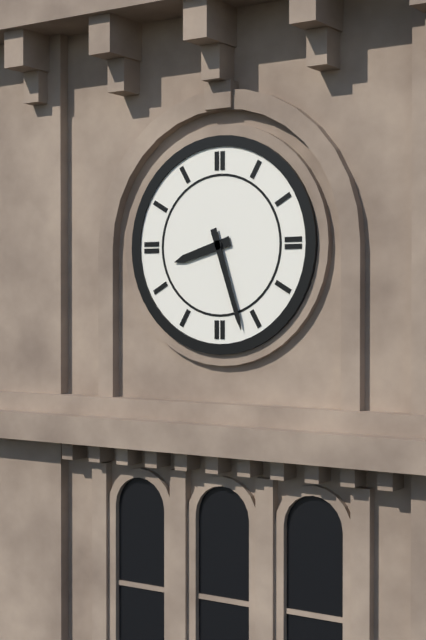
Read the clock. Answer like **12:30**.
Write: **8:27**
